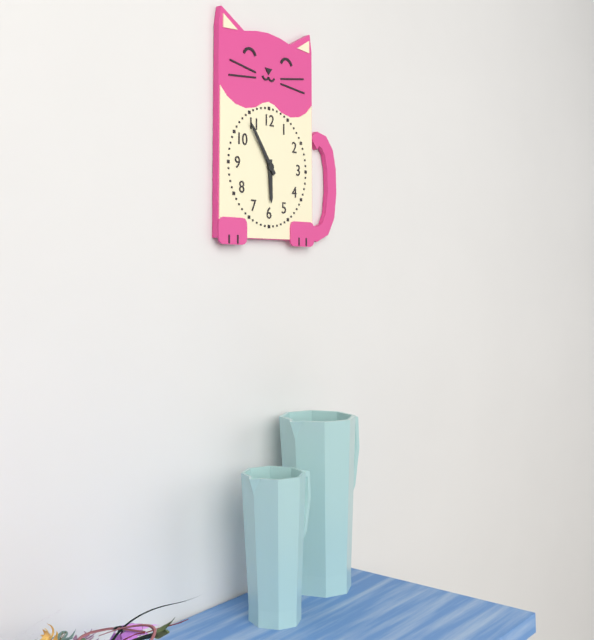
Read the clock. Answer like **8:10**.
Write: **5:54**
